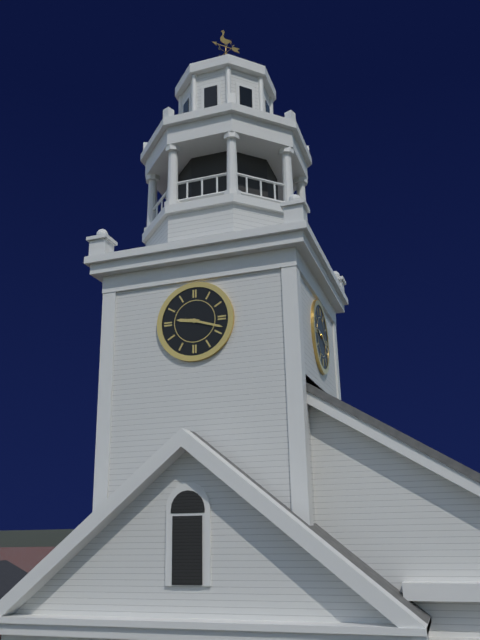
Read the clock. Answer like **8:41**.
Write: **9:18**
